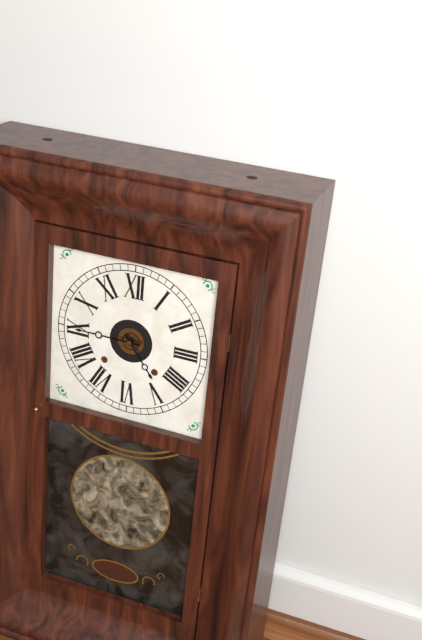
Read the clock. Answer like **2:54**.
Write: **4:45**
